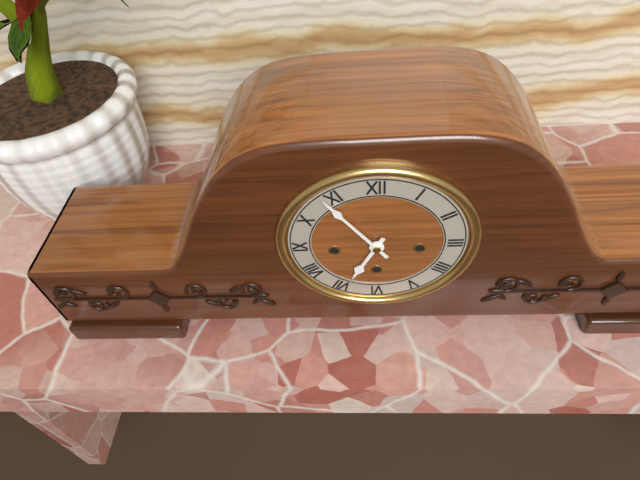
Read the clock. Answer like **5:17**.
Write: **6:54**
